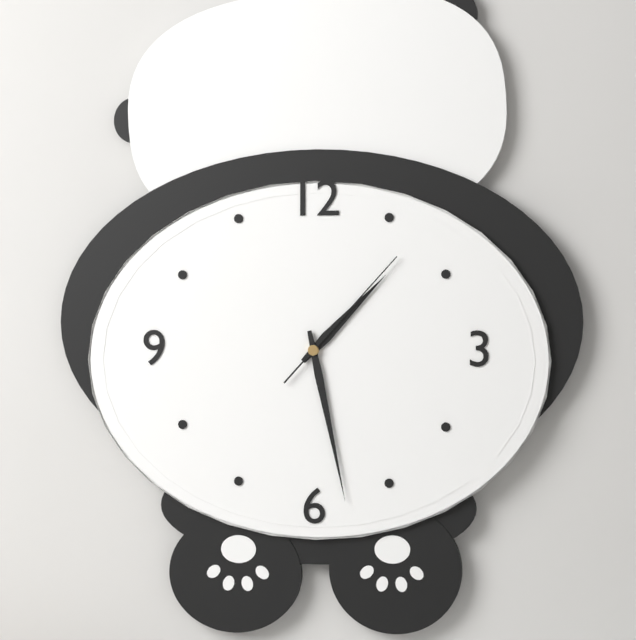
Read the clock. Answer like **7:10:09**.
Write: **1:28:07**
